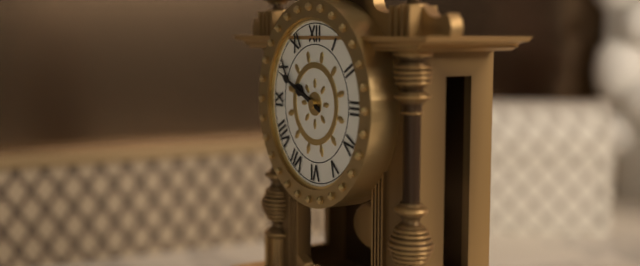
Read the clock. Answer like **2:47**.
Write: **9:49**
